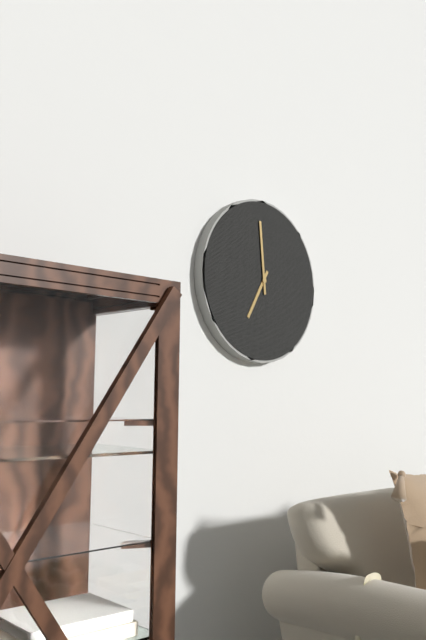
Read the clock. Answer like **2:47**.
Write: **6:59**
